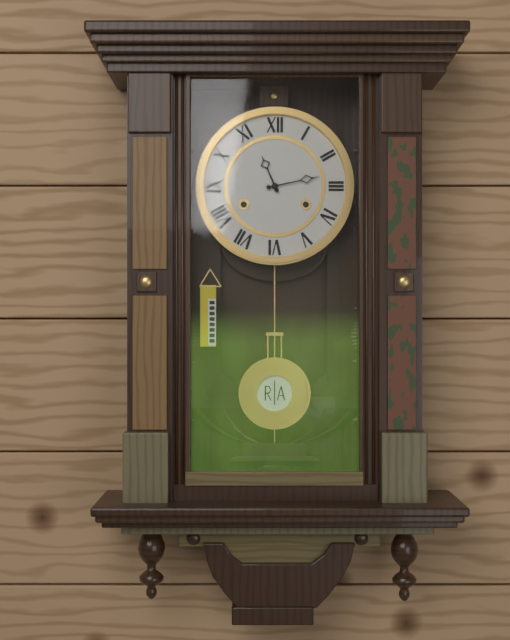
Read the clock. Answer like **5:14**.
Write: **11:13**
